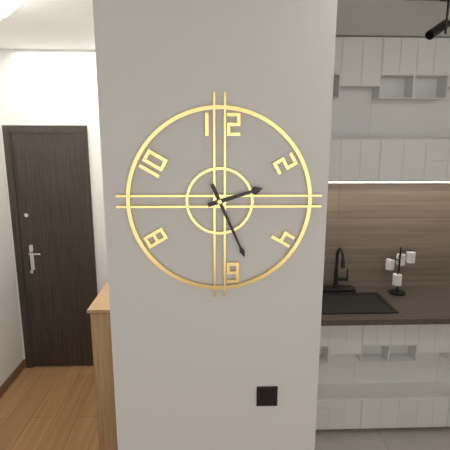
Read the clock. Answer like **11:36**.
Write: **2:26**
